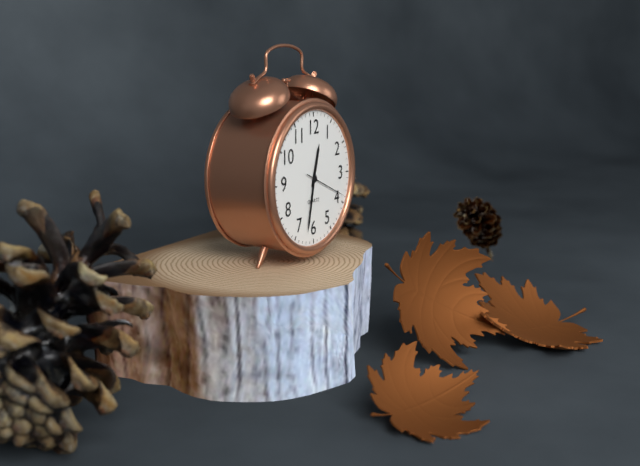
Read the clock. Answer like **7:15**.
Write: **12:32**
